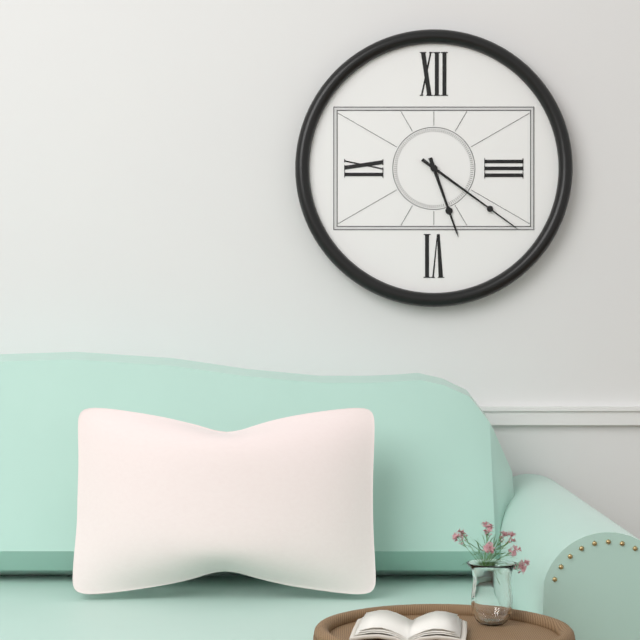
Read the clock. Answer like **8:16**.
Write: **5:21**
